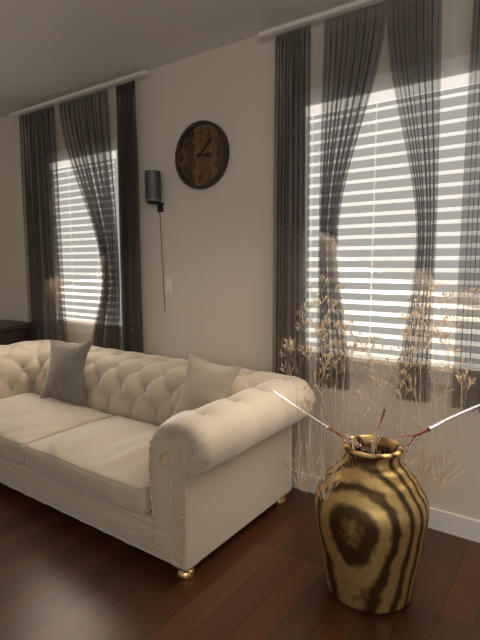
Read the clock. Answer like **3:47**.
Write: **3:08**
